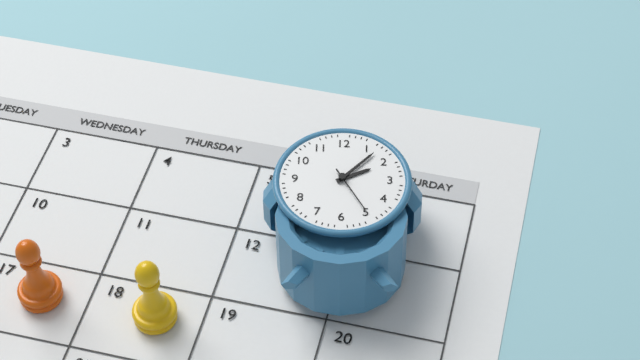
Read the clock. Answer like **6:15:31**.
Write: **2:07:25**
